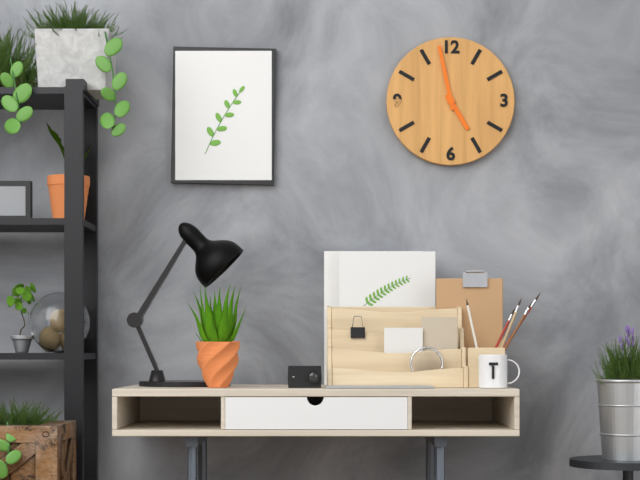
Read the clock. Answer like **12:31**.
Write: **4:58**
